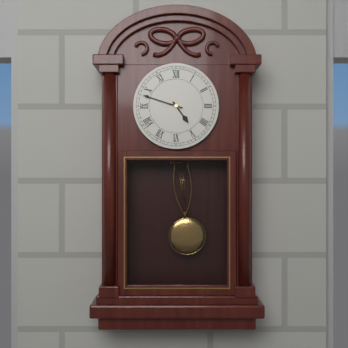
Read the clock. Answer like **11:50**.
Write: **4:48**
